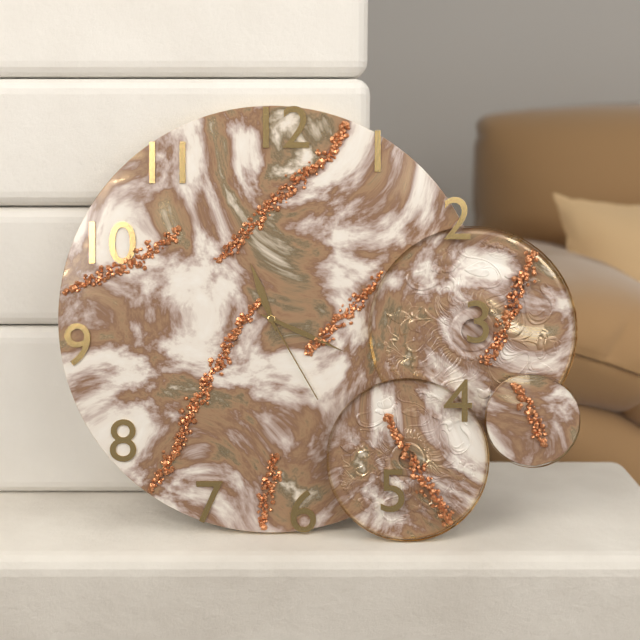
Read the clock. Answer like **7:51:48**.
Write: **11:19:25**
